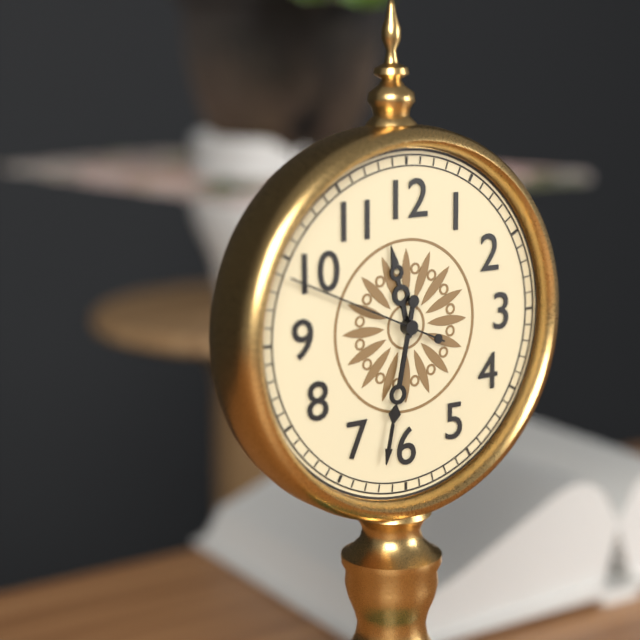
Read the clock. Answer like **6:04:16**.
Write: **11:32:49**
